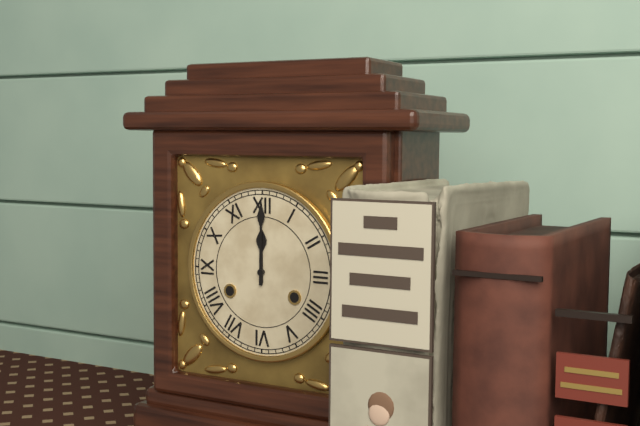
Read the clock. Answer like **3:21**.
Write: **12:00**
